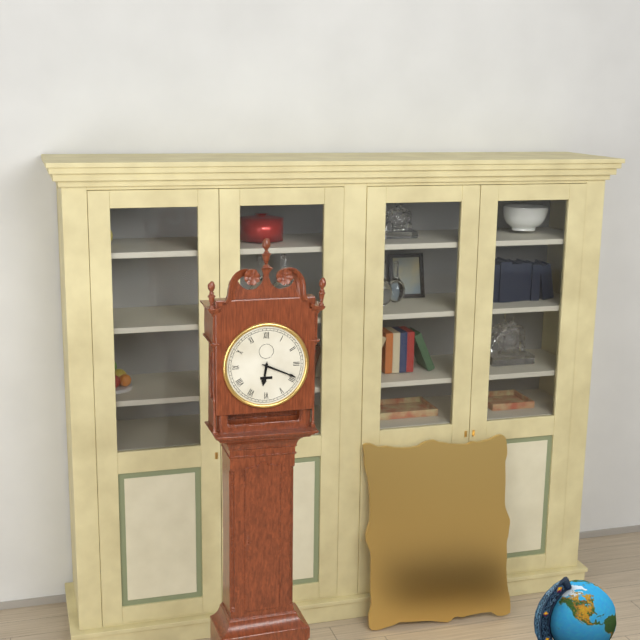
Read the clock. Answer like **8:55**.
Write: **6:19**
